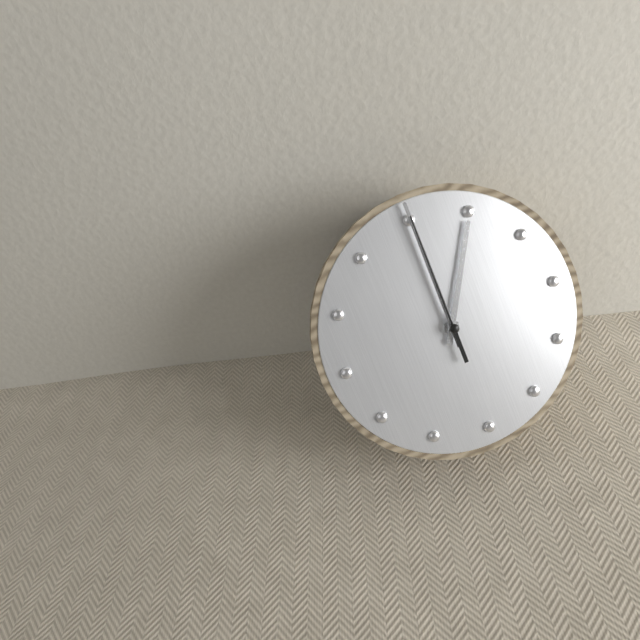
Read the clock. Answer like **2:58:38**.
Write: **1:00:00**
